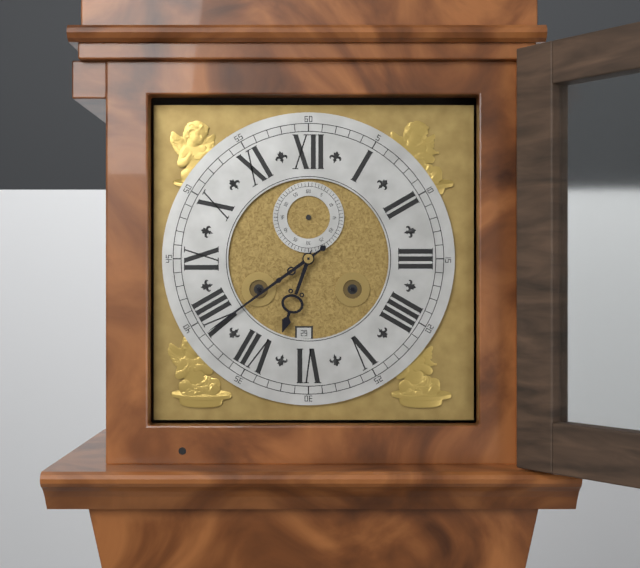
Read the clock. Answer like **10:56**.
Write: **6:39**
